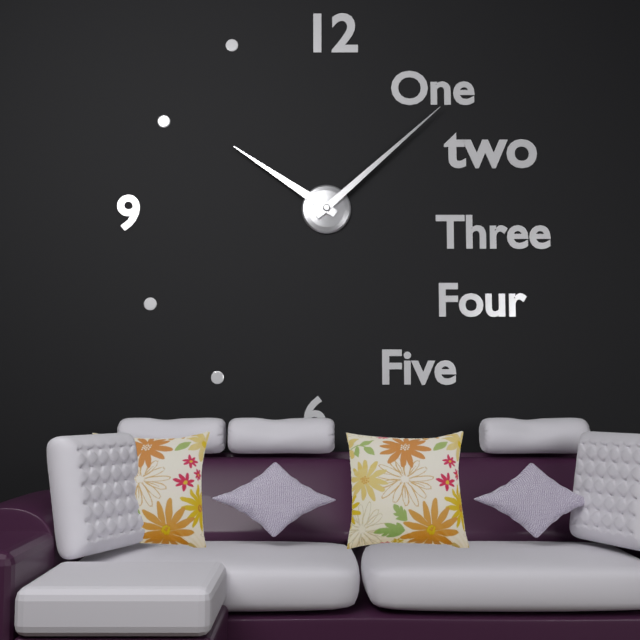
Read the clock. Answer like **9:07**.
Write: **10:08**
